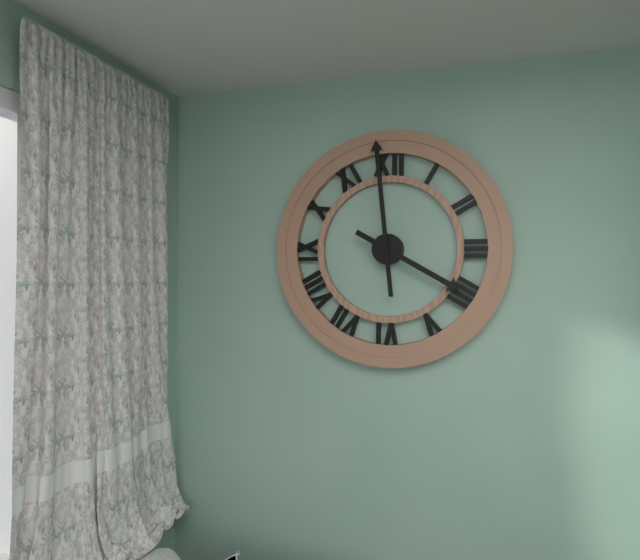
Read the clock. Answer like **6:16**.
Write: **3:59**
